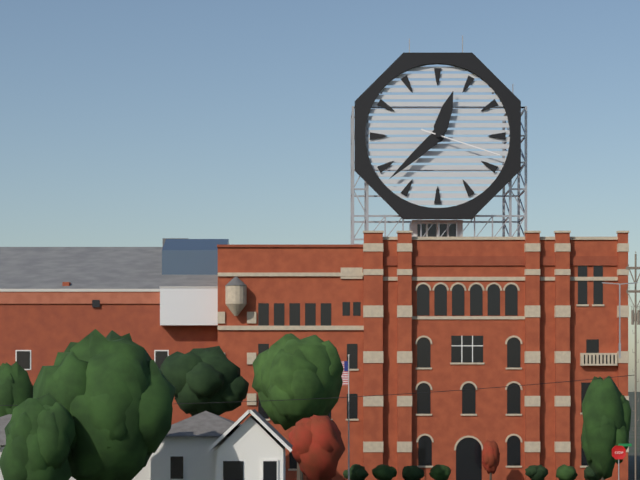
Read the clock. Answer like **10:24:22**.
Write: **12:38:18**
